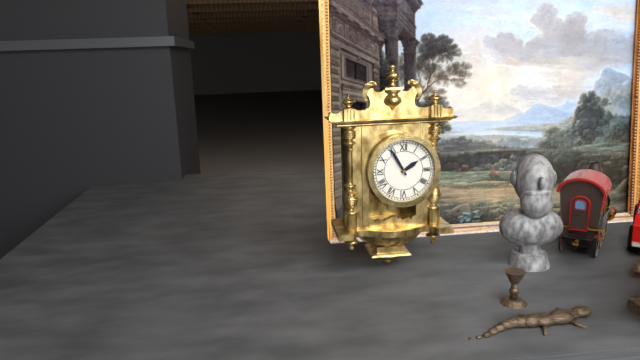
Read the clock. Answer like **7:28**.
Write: **1:55**
